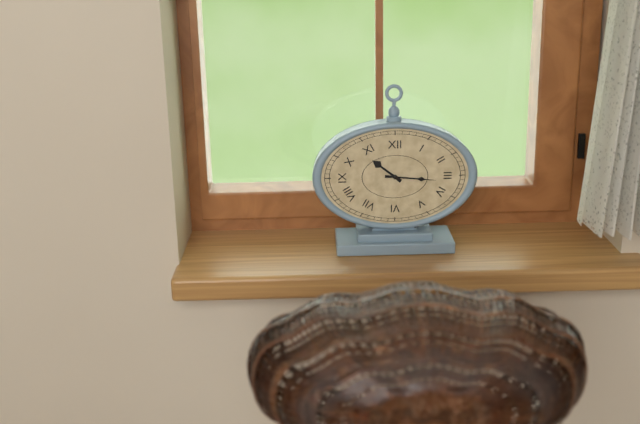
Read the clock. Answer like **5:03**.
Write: **10:16**
